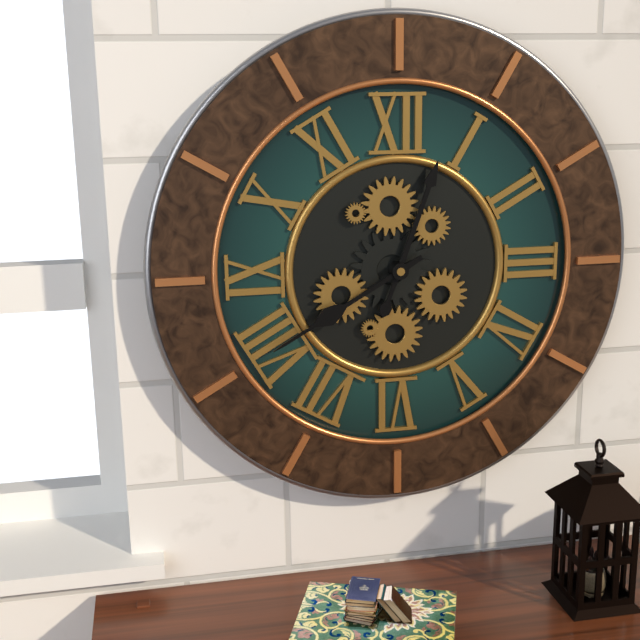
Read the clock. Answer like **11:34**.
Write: **12:40**
